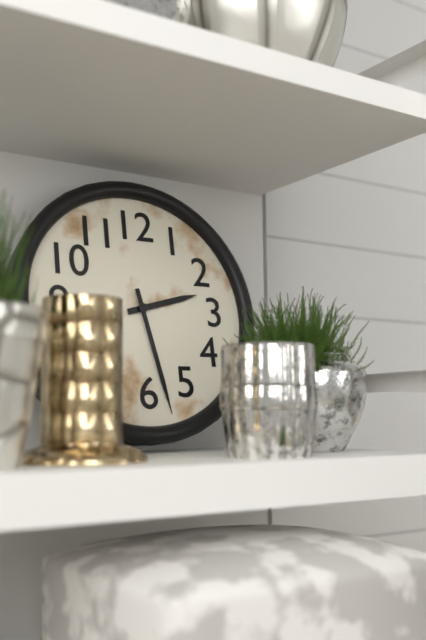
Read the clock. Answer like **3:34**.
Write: **2:28**
